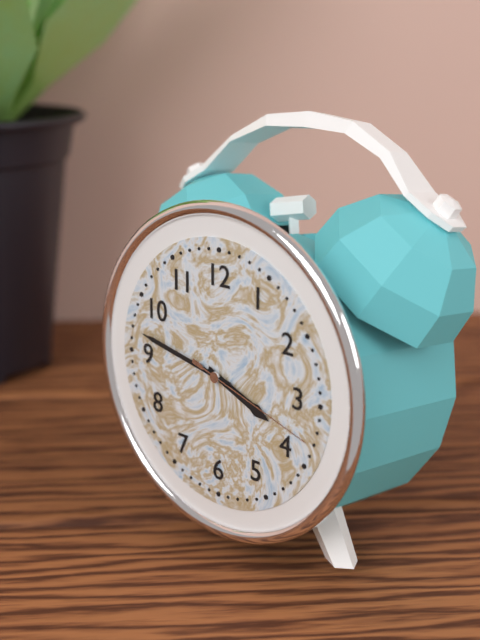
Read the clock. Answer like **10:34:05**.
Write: **3:47:18**
